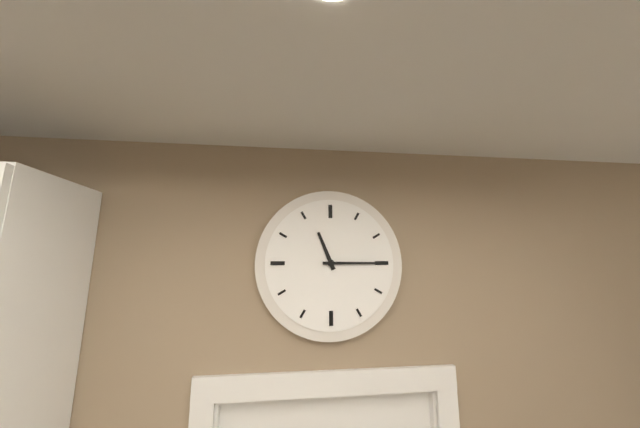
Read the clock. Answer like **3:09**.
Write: **11:15**
